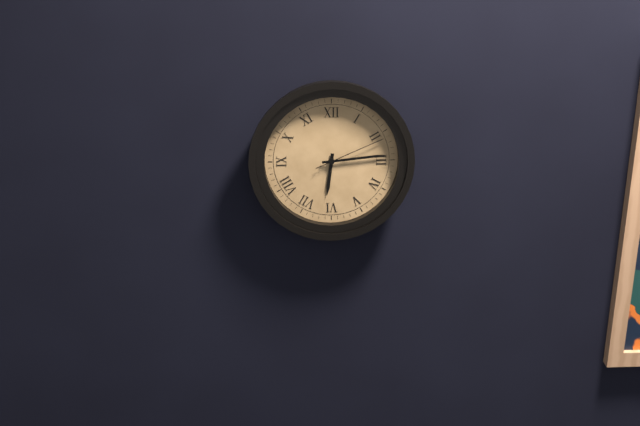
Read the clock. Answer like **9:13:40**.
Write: **6:14:11**
